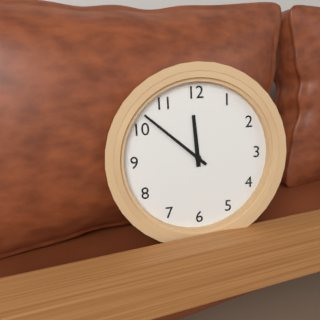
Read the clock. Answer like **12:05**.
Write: **11:52**
